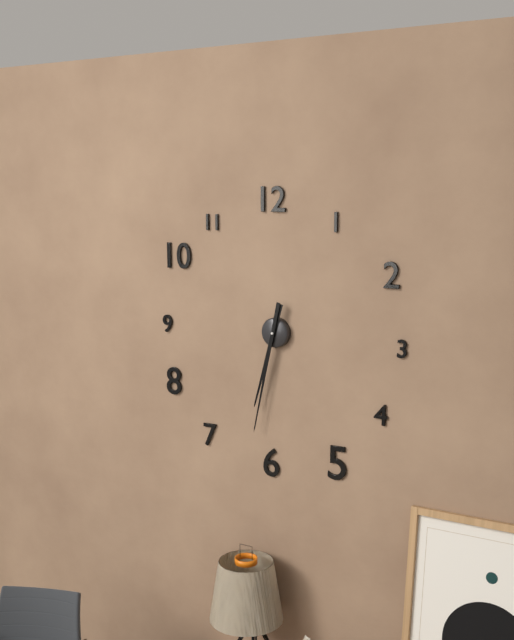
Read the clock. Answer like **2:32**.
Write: **6:32**
